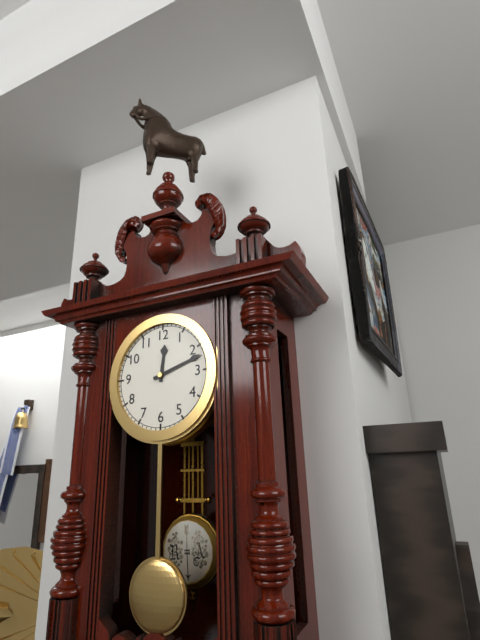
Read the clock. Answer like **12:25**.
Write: **12:12**
